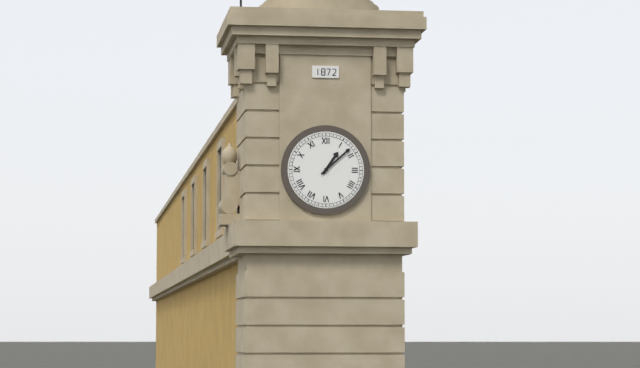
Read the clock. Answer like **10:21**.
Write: **1:08**
